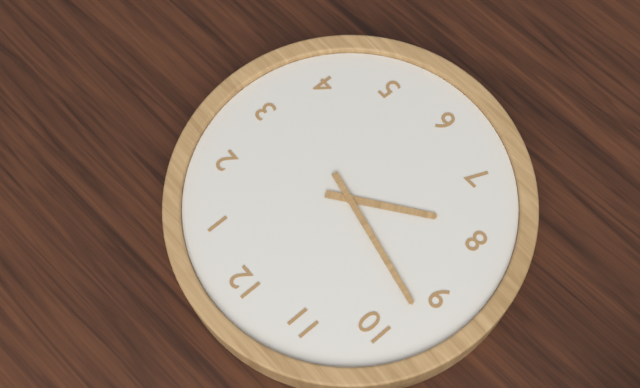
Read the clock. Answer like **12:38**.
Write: **7:47**
